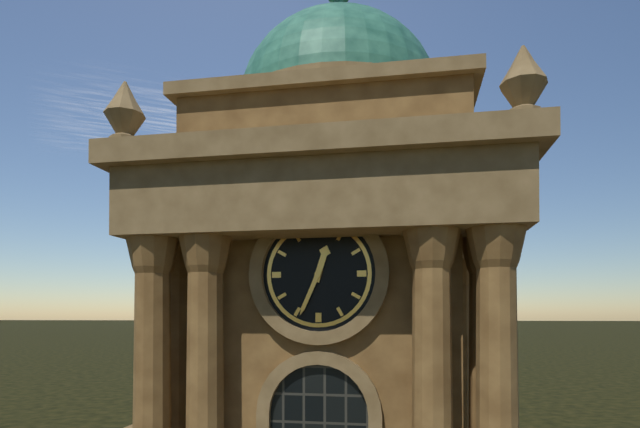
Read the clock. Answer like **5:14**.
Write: **12:34**
